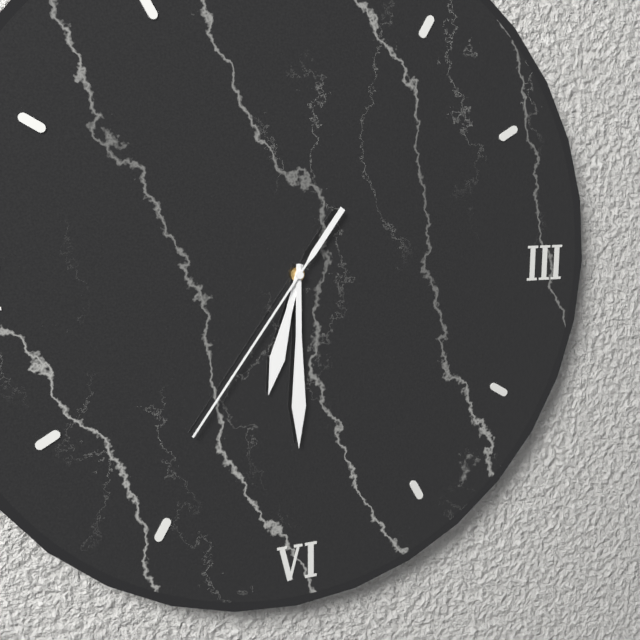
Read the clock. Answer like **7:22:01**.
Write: **6:30:36**
